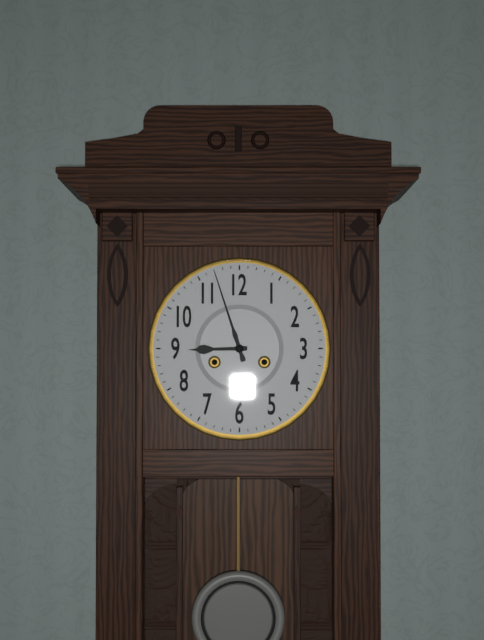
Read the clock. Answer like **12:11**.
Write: **8:57**
